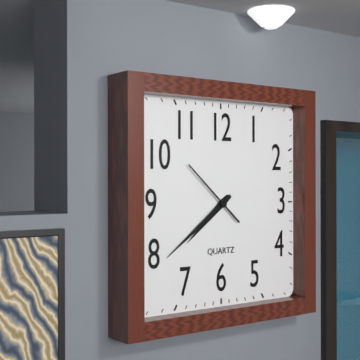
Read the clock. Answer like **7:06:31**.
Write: **7:39:52**
